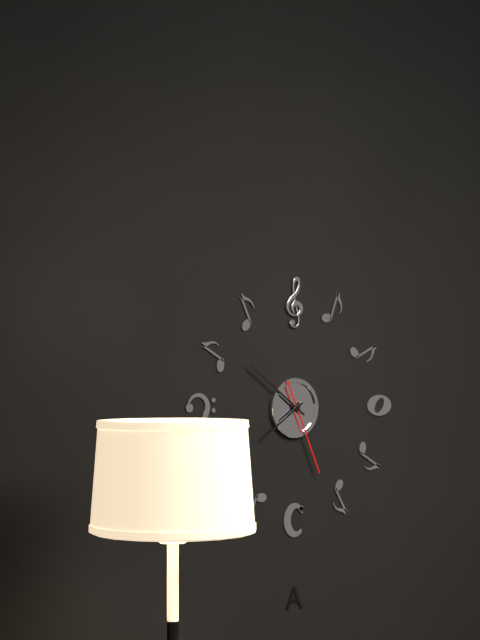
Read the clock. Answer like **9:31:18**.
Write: **7:51:26**
